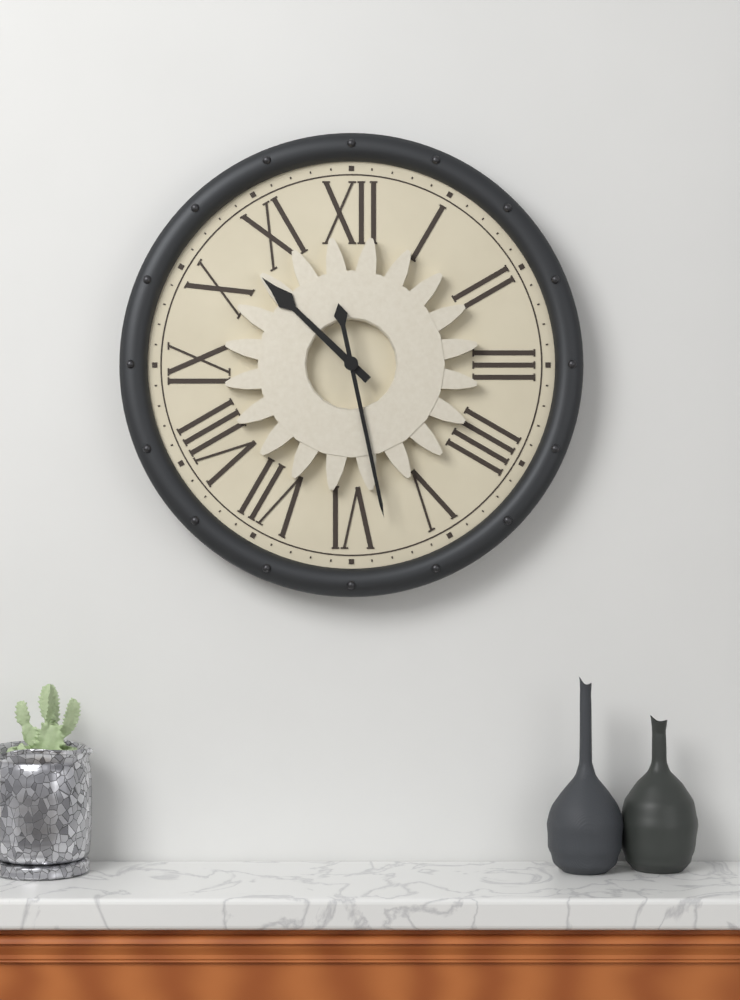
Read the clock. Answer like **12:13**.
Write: **10:28**
